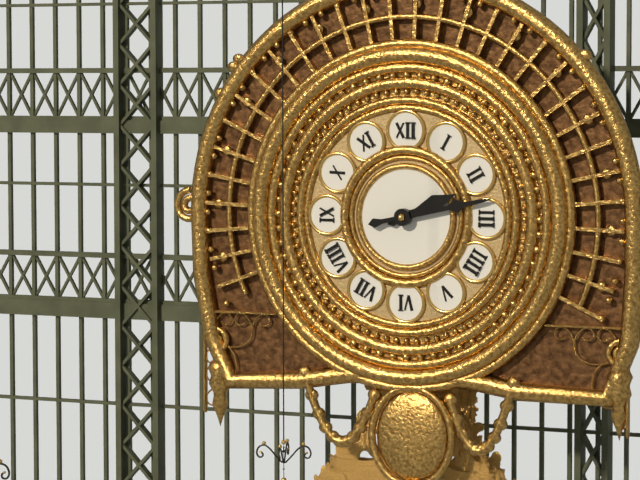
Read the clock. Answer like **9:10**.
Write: **2:13**
